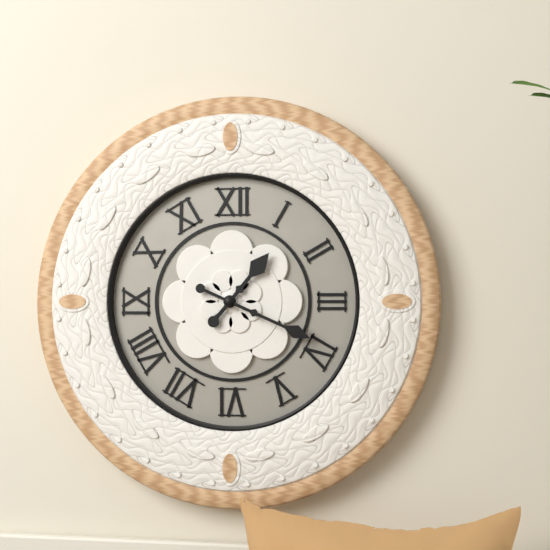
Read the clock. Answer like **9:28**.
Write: **1:19**
